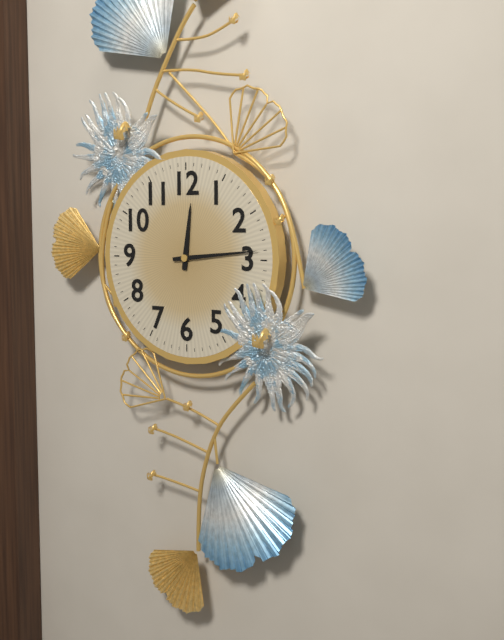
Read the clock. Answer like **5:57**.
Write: **12:14**
